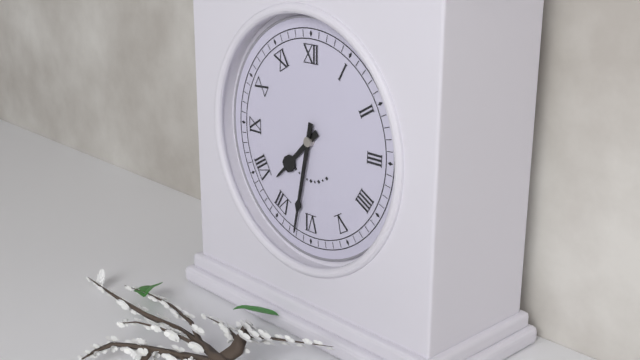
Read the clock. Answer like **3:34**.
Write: **7:32**
